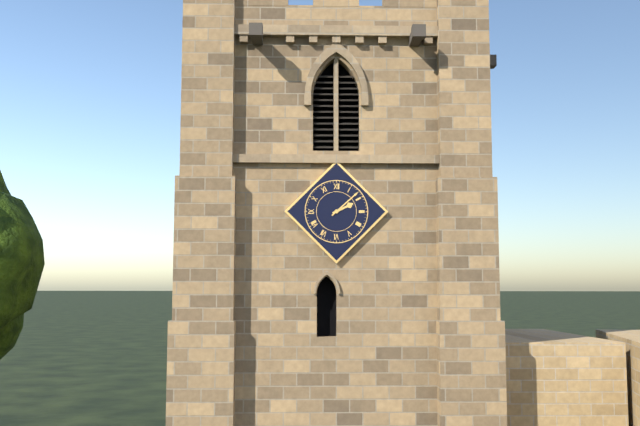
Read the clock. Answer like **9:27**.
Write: **2:08**
